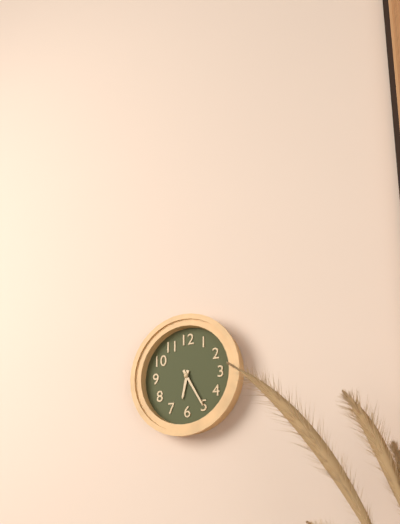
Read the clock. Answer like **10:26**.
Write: **6:25**
